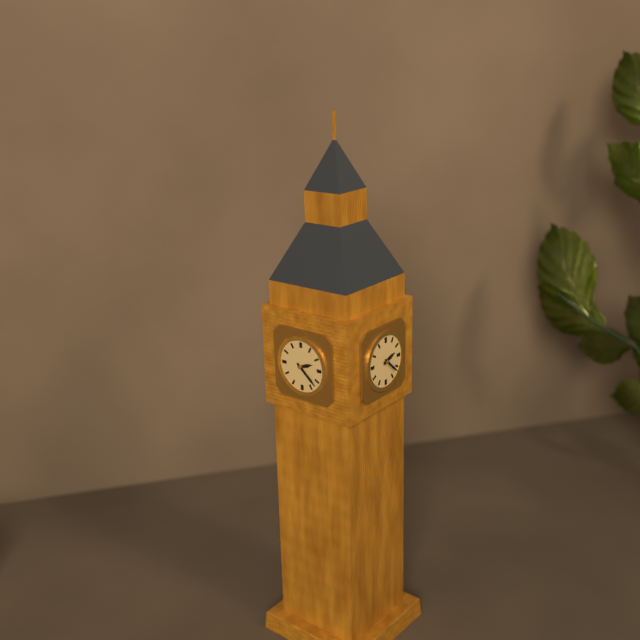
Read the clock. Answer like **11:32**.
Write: **2:22**
